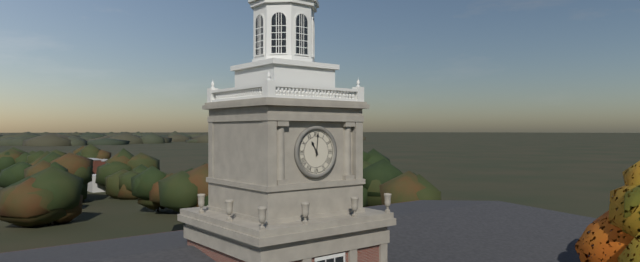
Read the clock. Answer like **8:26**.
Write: **11:01**
